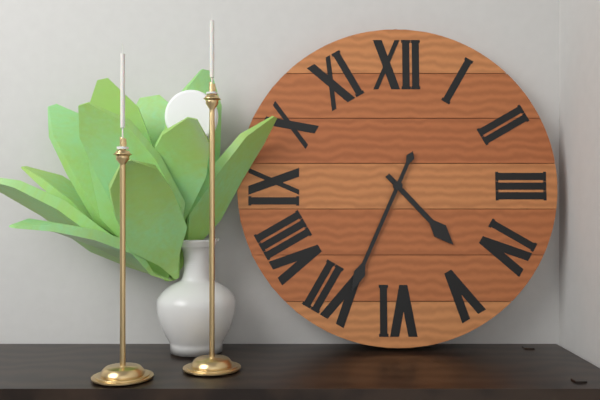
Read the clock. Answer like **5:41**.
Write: **4:34**
